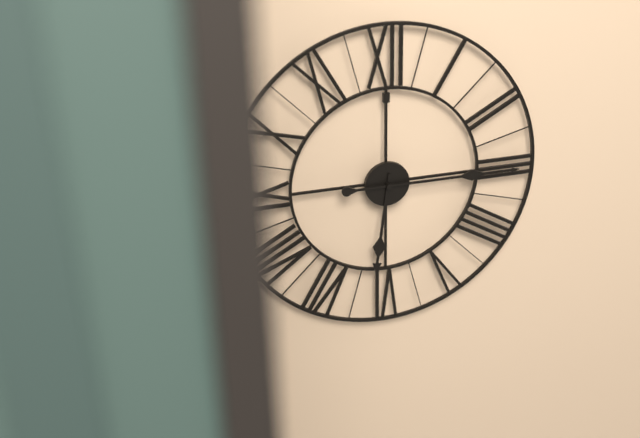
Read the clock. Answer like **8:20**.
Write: **6:15**
